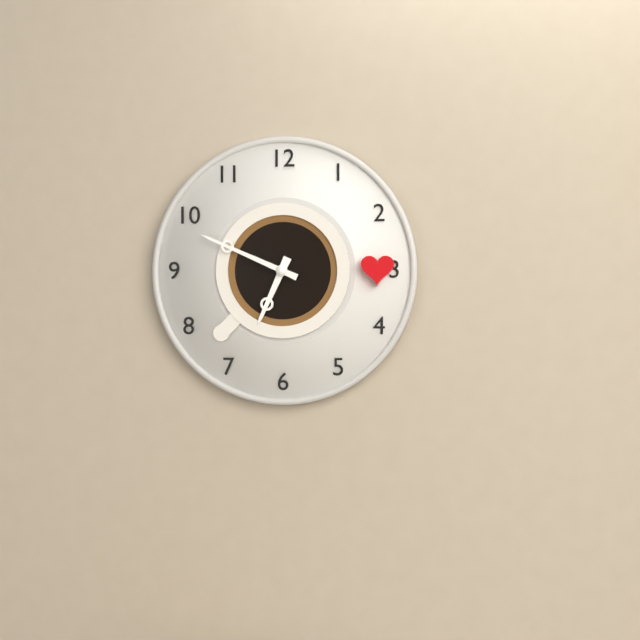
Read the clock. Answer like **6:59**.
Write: **6:49**
